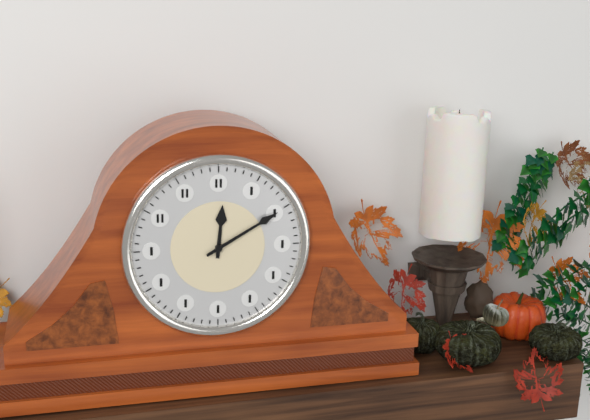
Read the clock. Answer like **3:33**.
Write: **12:10**
